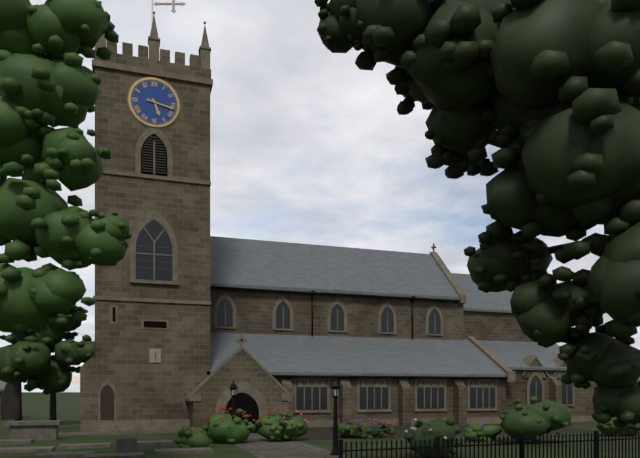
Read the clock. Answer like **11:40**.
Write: **5:17**
